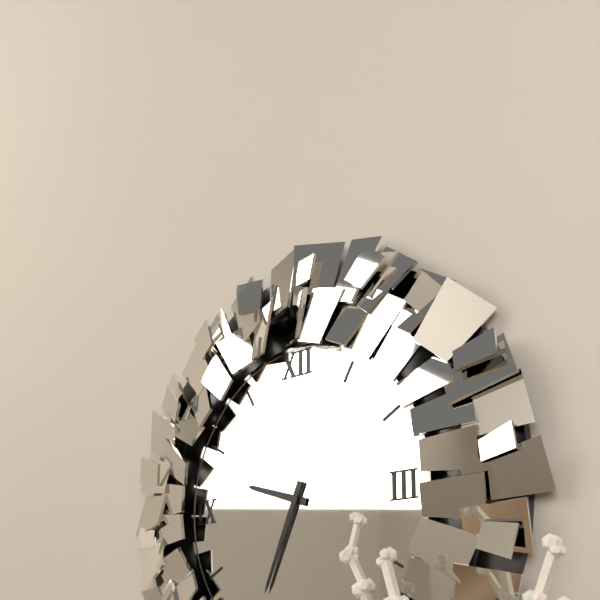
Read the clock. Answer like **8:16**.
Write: **9:34**
